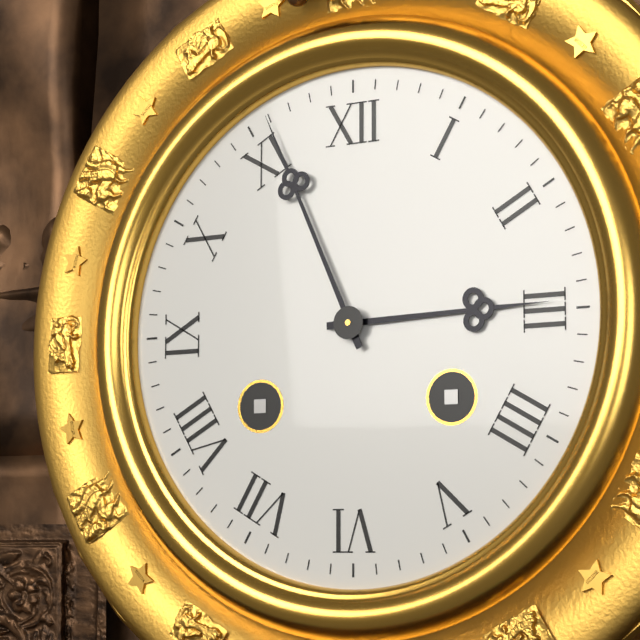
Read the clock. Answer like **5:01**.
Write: **2:56**
